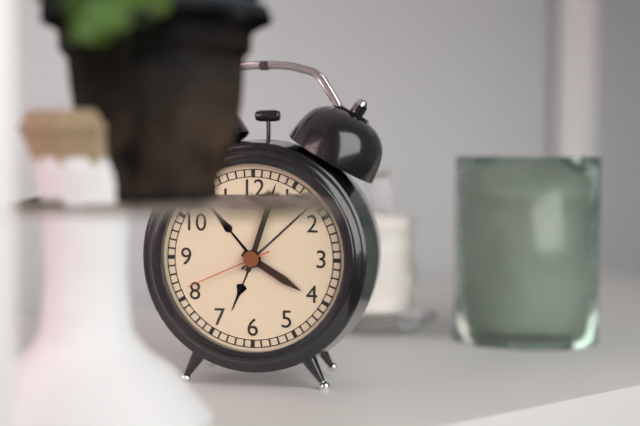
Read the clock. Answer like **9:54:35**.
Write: **4:03:41**
